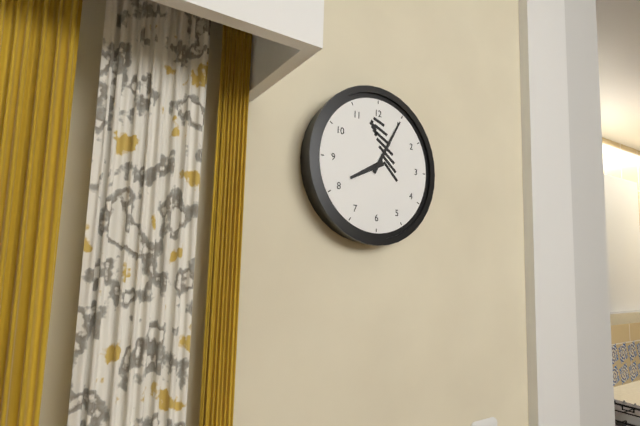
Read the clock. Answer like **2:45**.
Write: **8:05**
